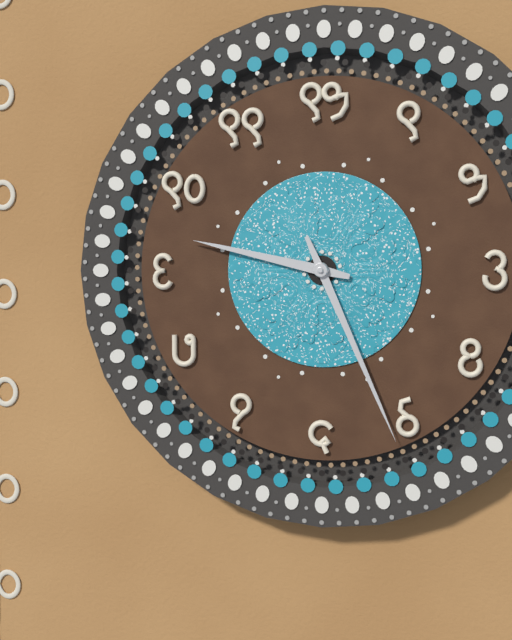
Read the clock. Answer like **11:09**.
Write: **9:26**
